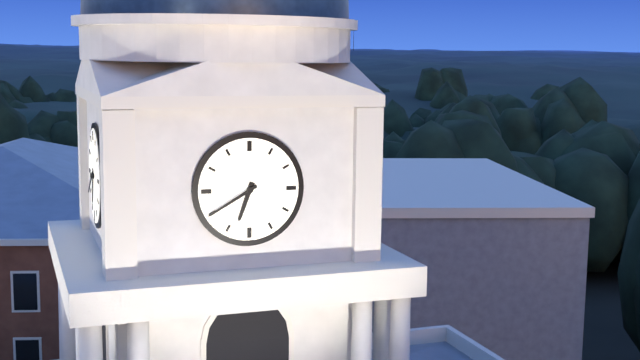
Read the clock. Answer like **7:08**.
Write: **6:40**
